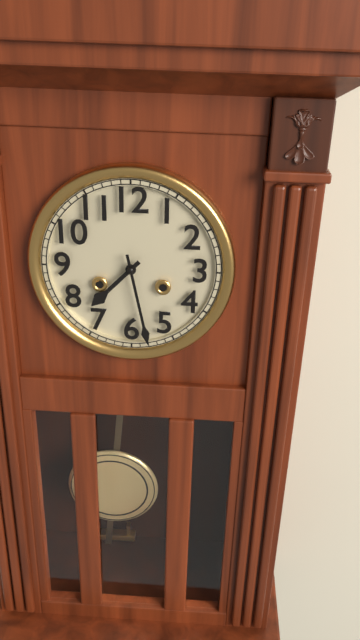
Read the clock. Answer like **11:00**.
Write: **7:28**
